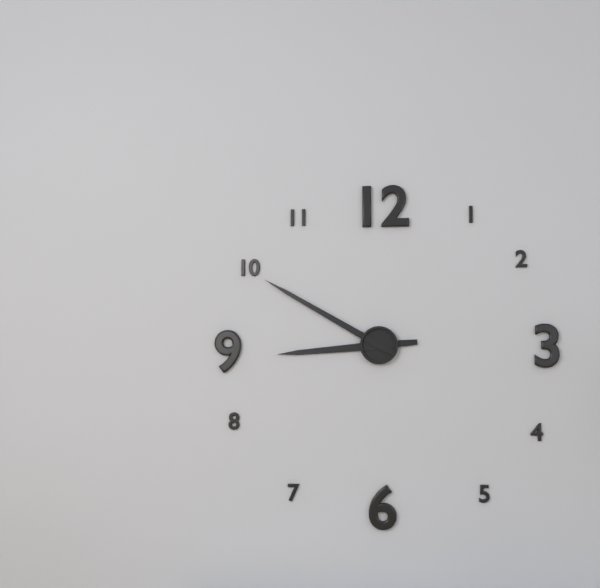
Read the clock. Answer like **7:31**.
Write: **8:50**
